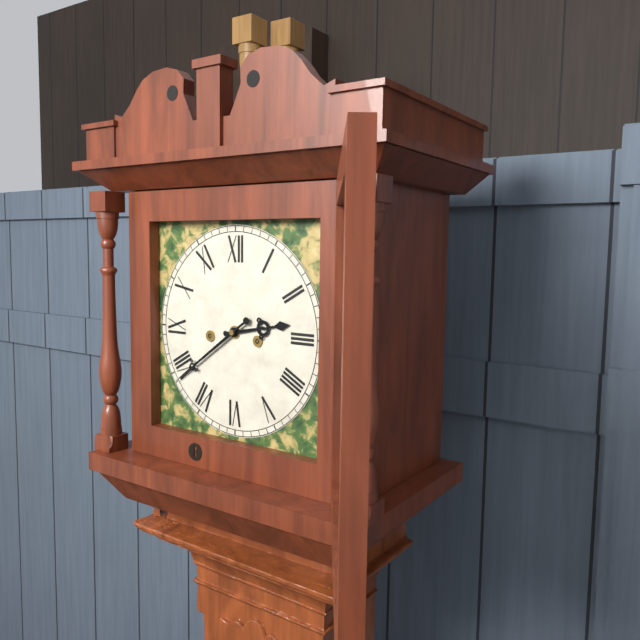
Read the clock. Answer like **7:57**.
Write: **2:39**
